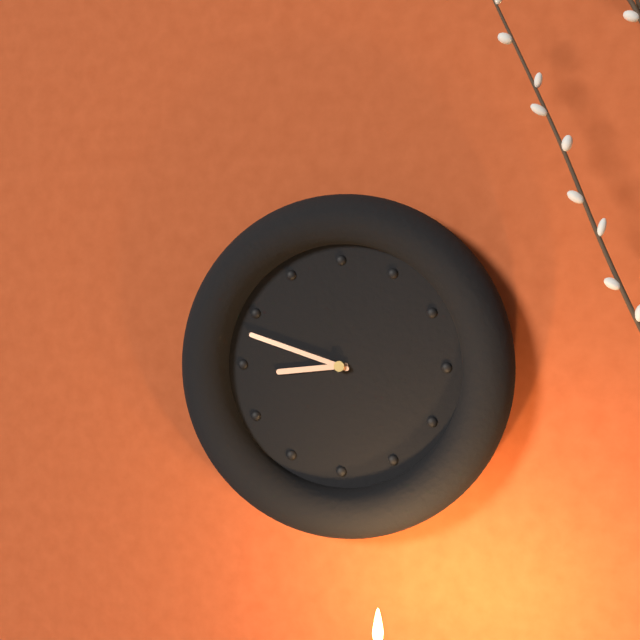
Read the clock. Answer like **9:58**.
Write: **8:48**
